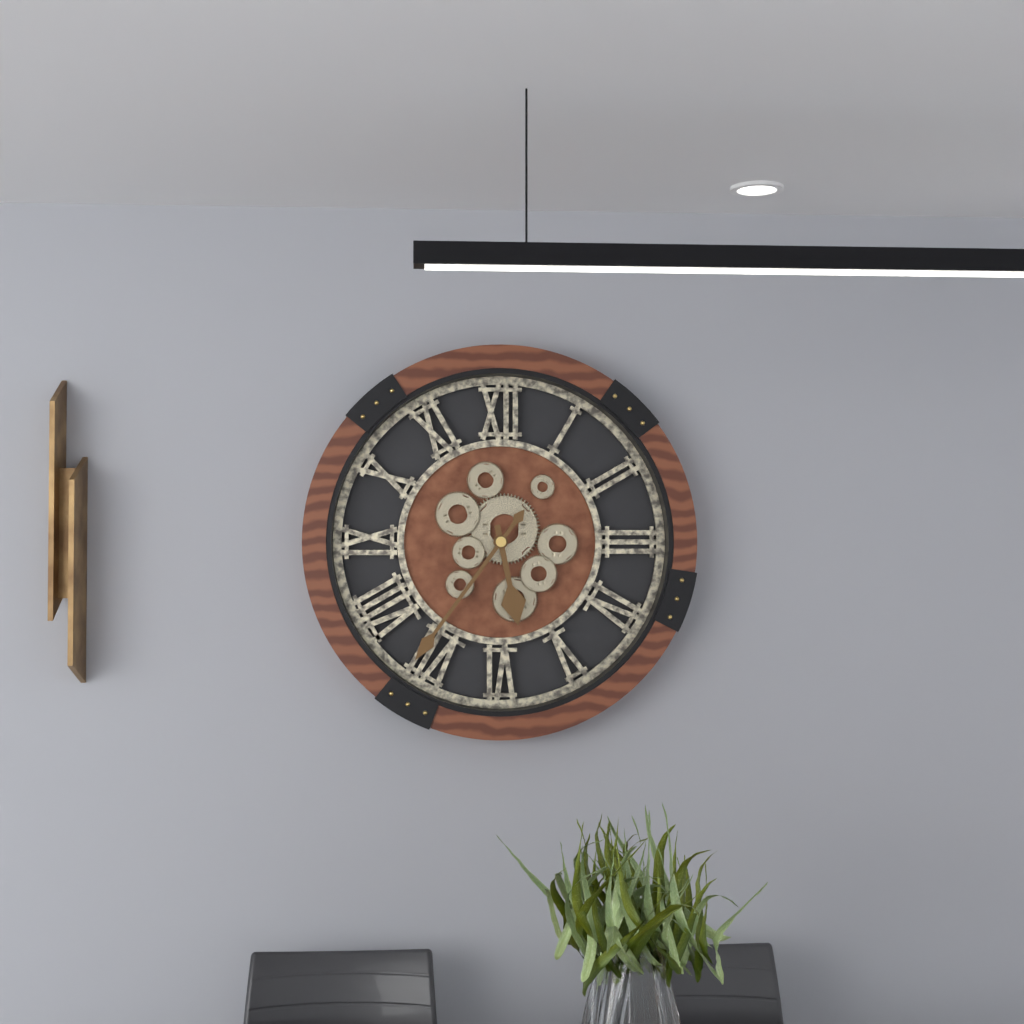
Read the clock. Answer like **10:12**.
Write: **5:36**
